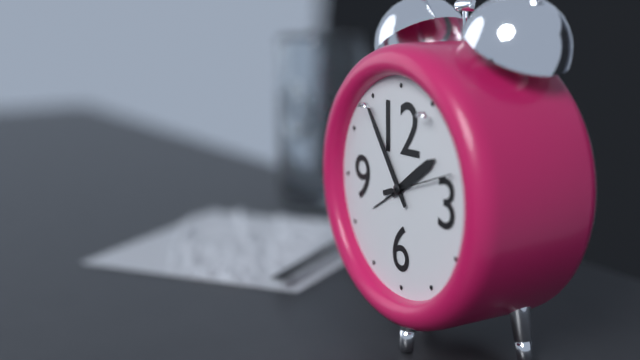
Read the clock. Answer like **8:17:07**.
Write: **1:54:12**
